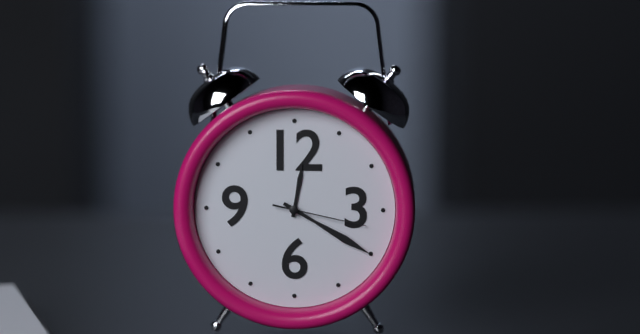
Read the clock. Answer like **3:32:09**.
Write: **12:20:17**
